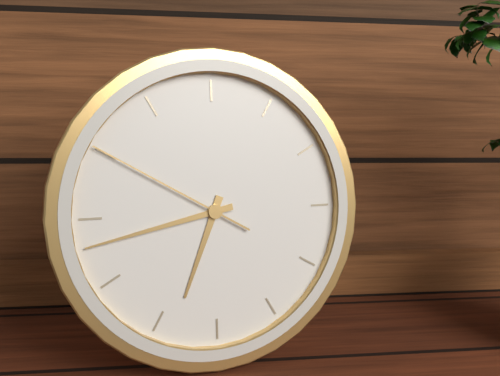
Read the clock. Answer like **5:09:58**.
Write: **6:43:50**
